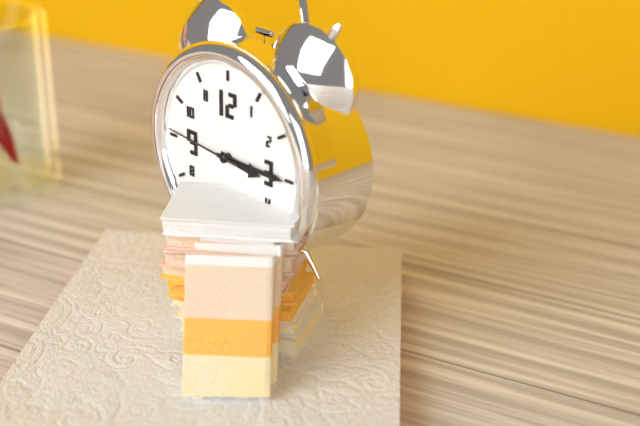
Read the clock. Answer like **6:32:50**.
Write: **3:15:46**
